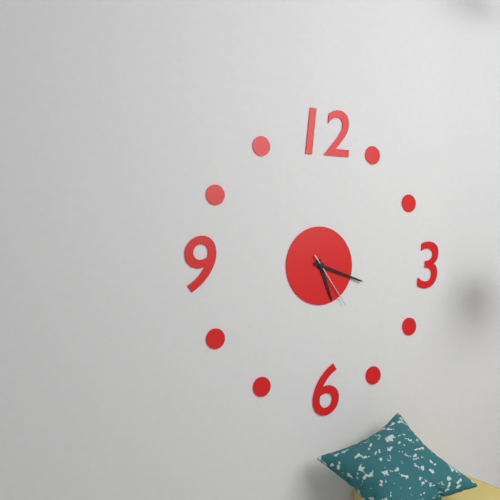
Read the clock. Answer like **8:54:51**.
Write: **5:18:24**
